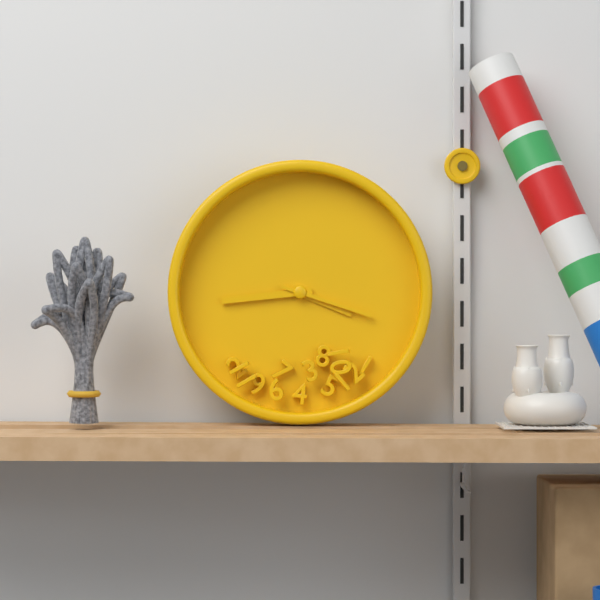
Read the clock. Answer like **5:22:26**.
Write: **3:44:18**
